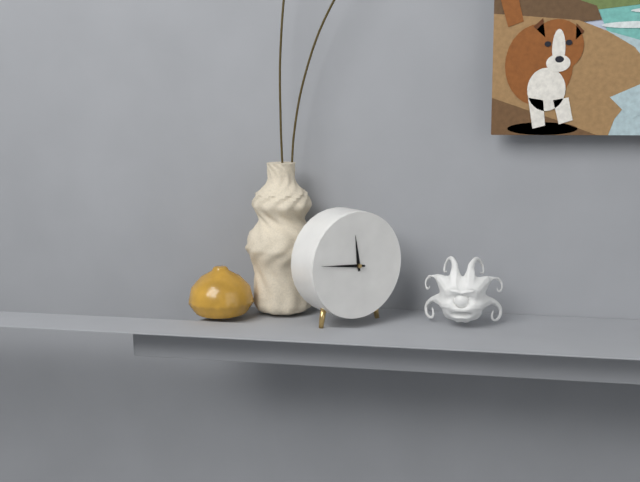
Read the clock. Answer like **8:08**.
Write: **11:46**
